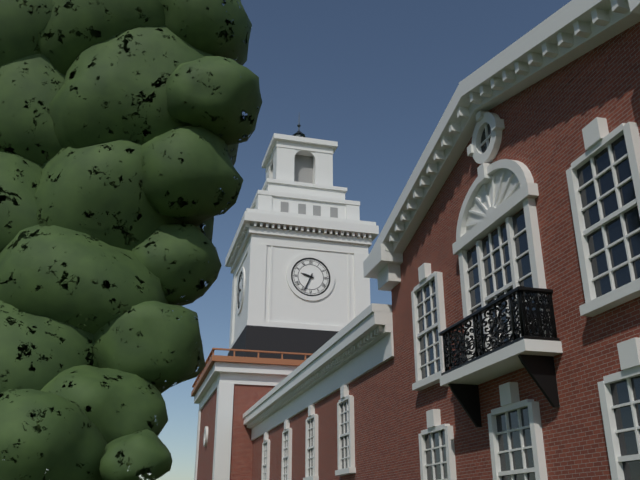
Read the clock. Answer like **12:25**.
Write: **9:34**
